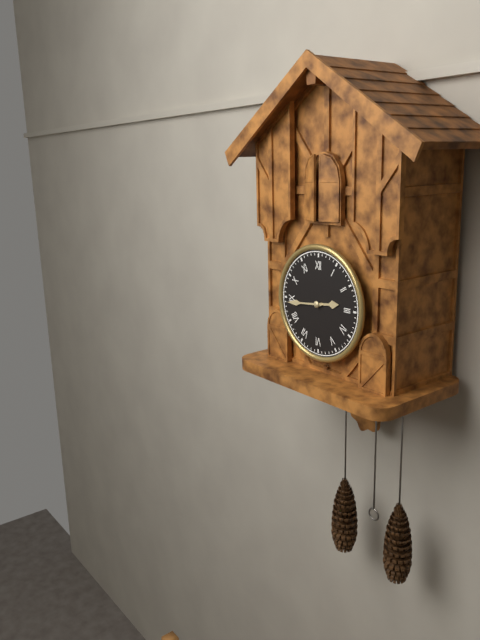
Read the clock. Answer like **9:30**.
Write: **2:44**
